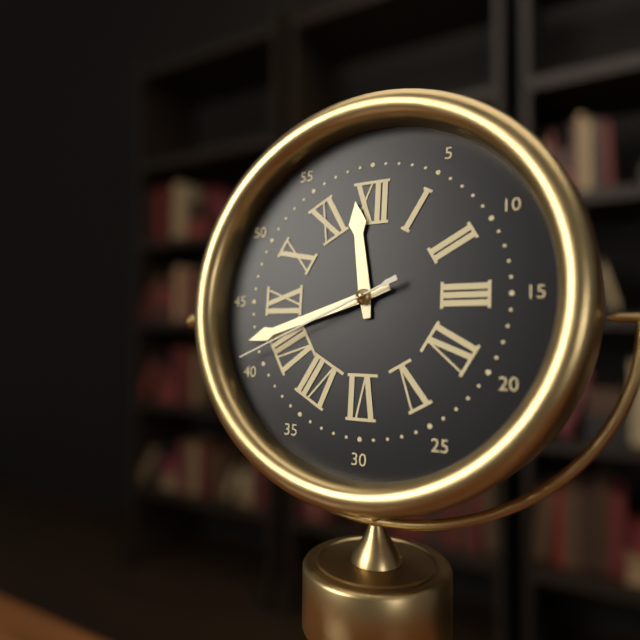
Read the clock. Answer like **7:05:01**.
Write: **11:42:41**
